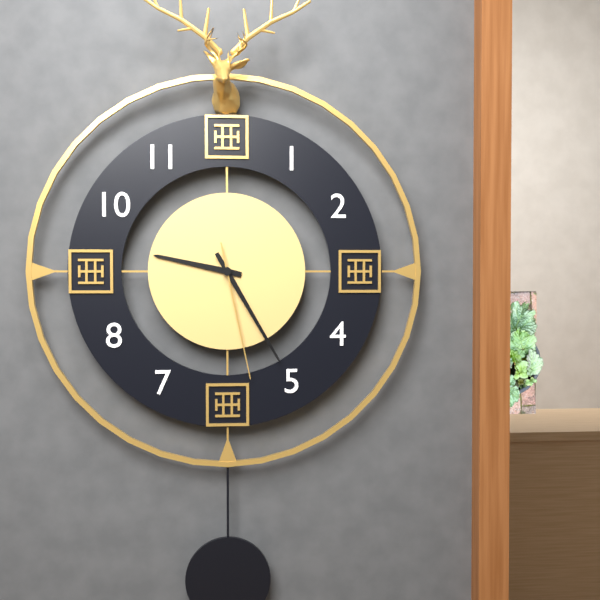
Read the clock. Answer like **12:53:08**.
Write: **9:25:28**
